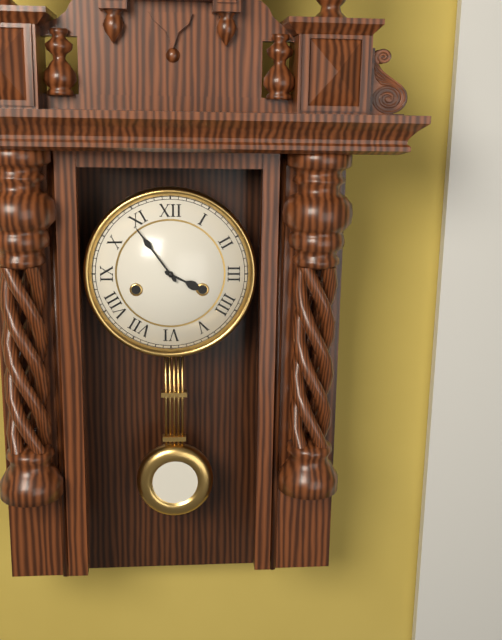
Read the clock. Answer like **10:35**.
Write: **3:54**
